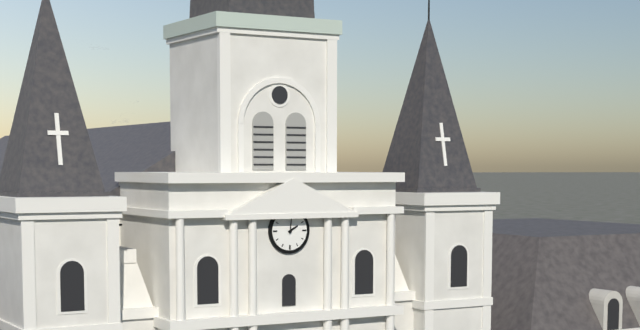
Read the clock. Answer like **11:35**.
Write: **2:01**
